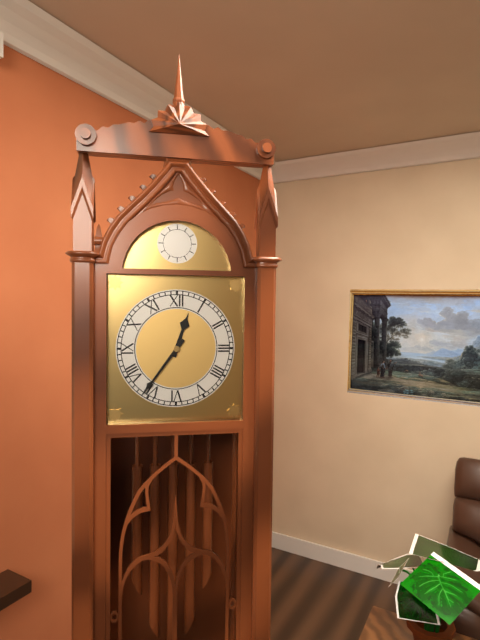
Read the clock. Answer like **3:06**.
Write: **12:36**
